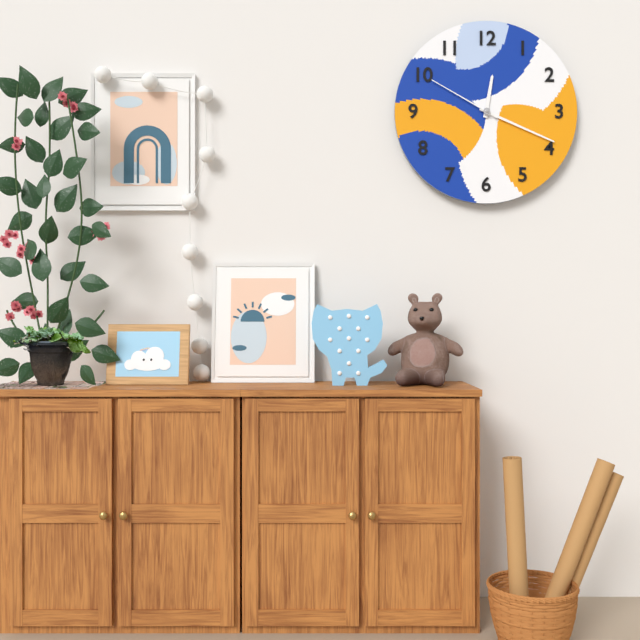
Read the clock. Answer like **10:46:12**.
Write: **12:19:50**
